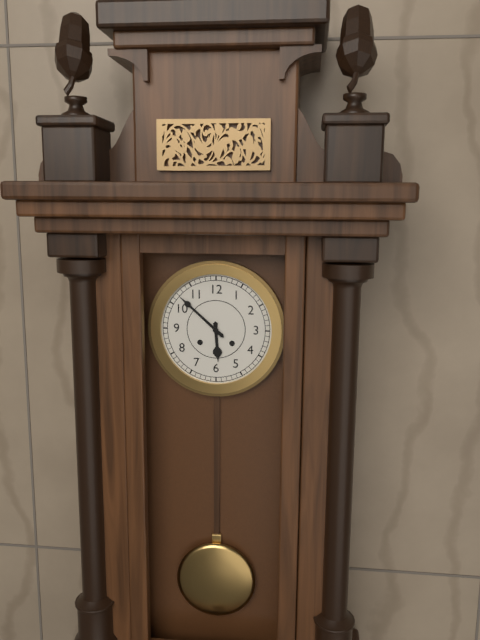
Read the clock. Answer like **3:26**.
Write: **5:52**
